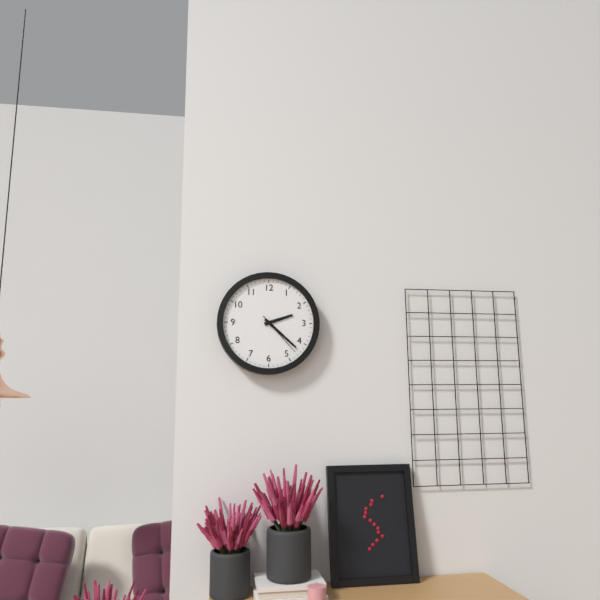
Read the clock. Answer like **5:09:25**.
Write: **2:22:23**
